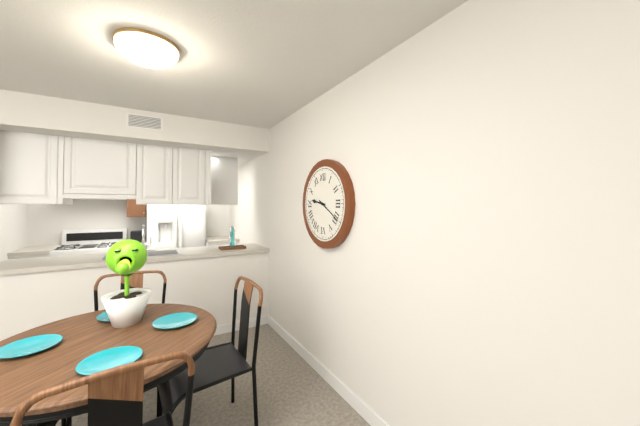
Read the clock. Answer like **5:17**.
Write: **9:20**
